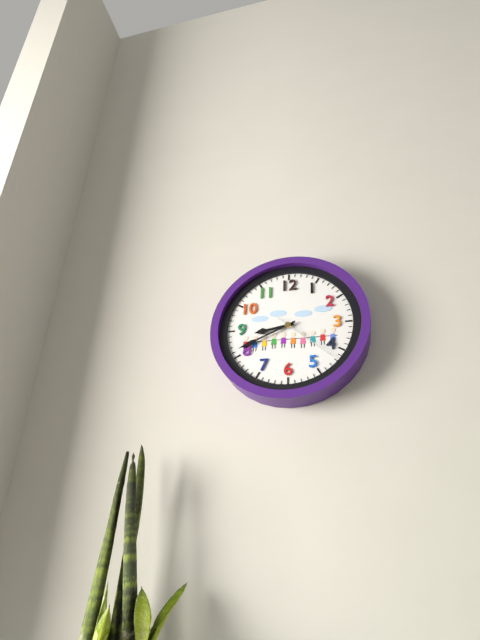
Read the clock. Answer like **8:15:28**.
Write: **8:41:22**
